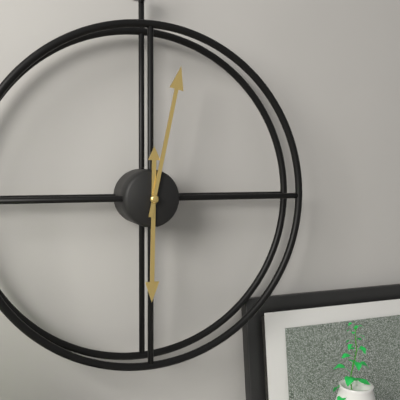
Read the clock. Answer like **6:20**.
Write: **6:02**
